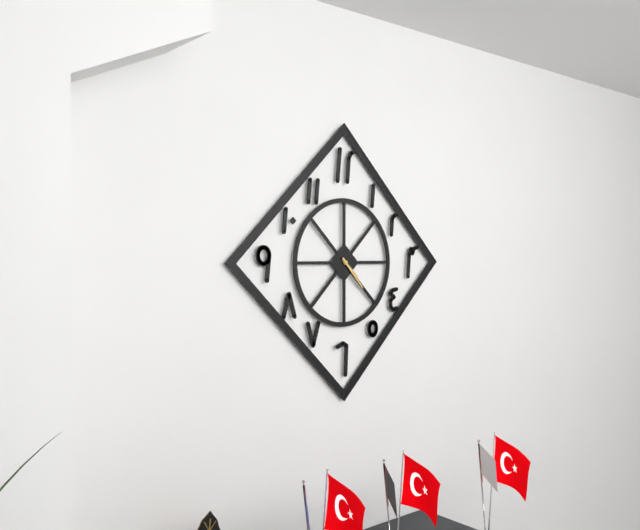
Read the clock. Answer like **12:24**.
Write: **4:23**
